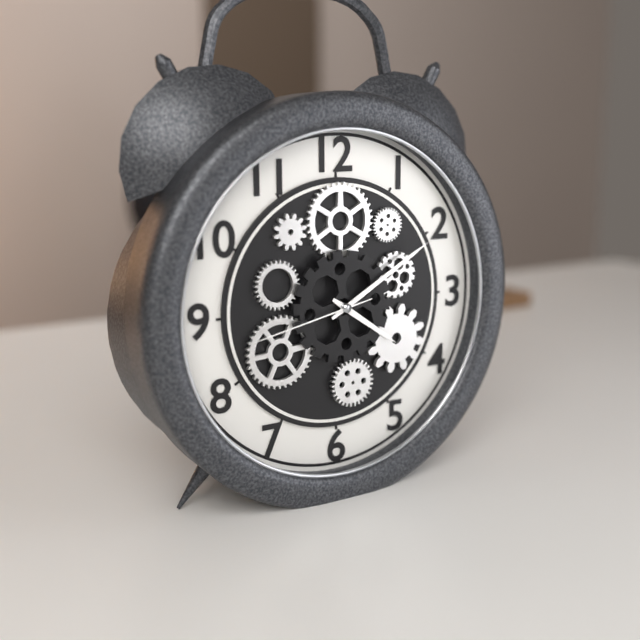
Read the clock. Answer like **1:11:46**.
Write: **4:10:43**
